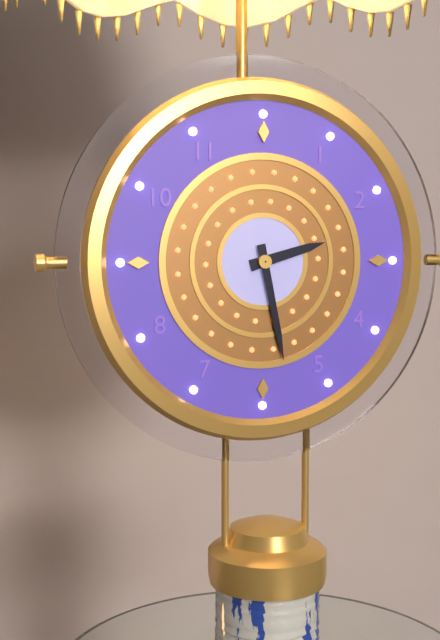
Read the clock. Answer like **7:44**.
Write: **2:28**
